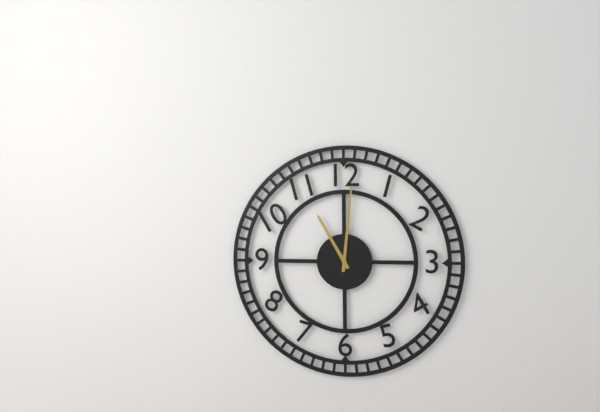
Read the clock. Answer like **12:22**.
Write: **11:01**
